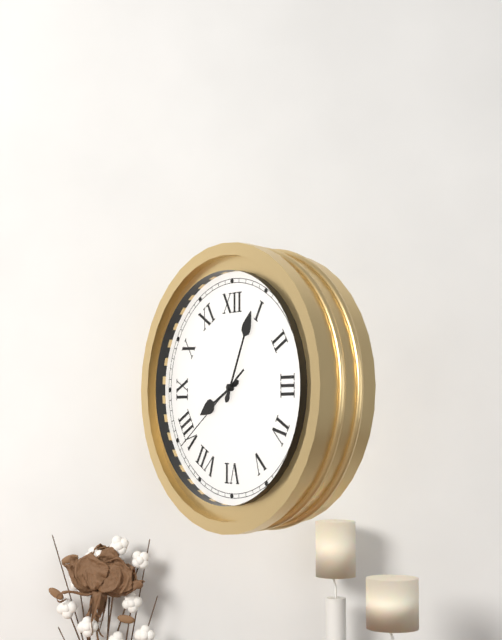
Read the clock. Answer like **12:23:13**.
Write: **8:04:39**
